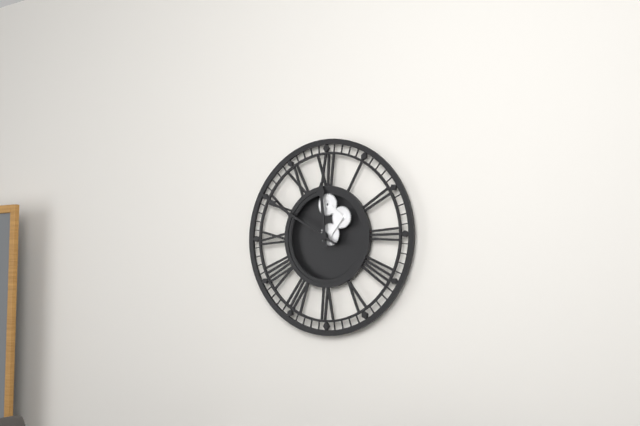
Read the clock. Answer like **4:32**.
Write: **11:50**
